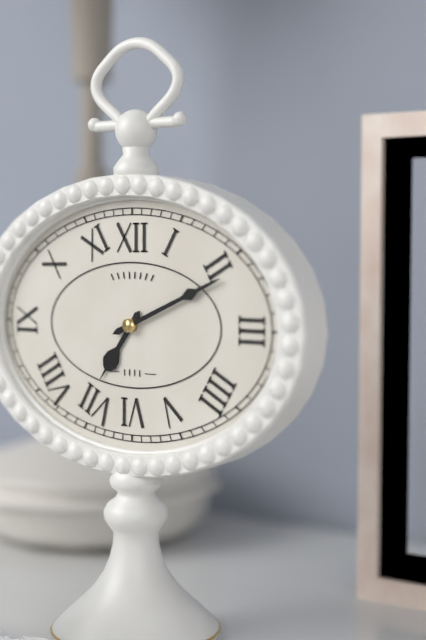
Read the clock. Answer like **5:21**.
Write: **7:11**
